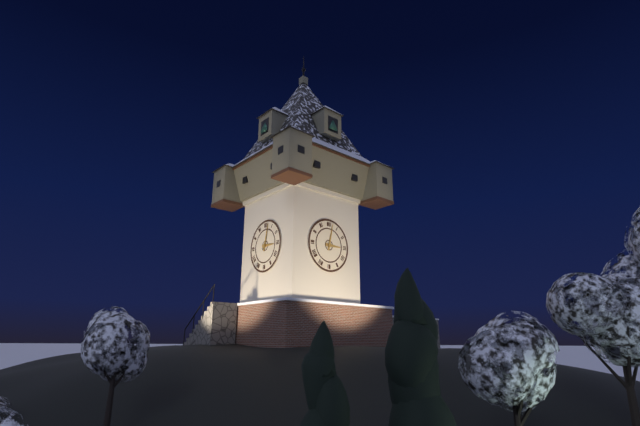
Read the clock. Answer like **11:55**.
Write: **3:02**
